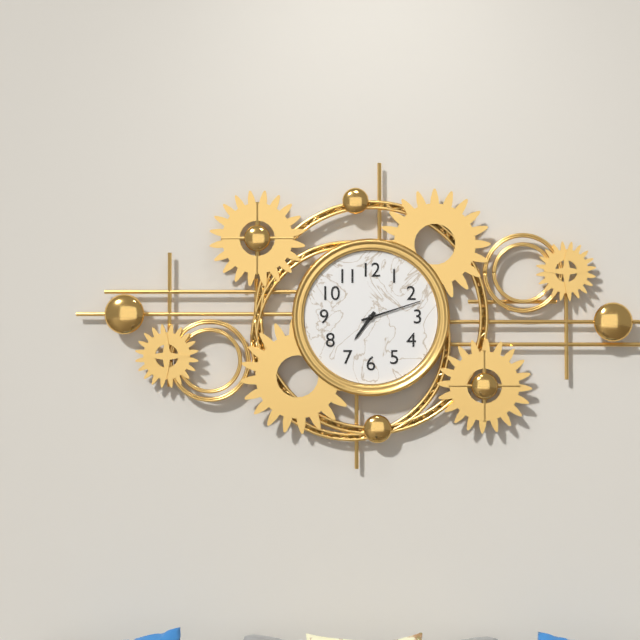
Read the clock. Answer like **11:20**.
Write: **7:12**
